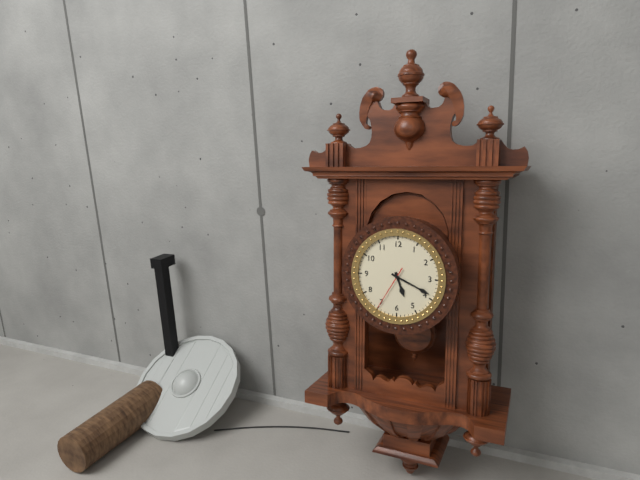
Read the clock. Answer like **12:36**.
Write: **5:19**
